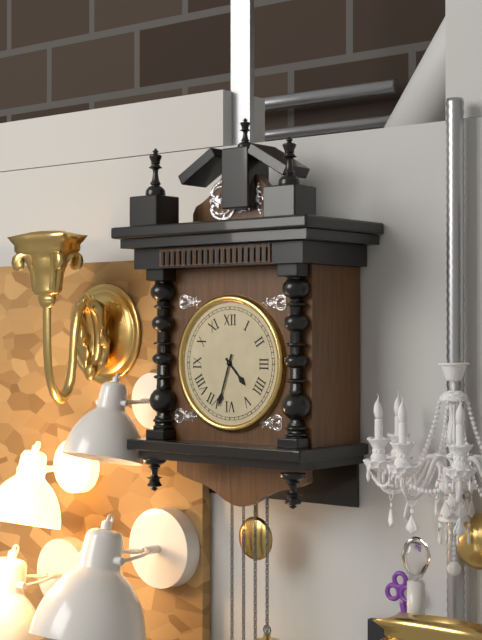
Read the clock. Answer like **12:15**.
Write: **4:33**
